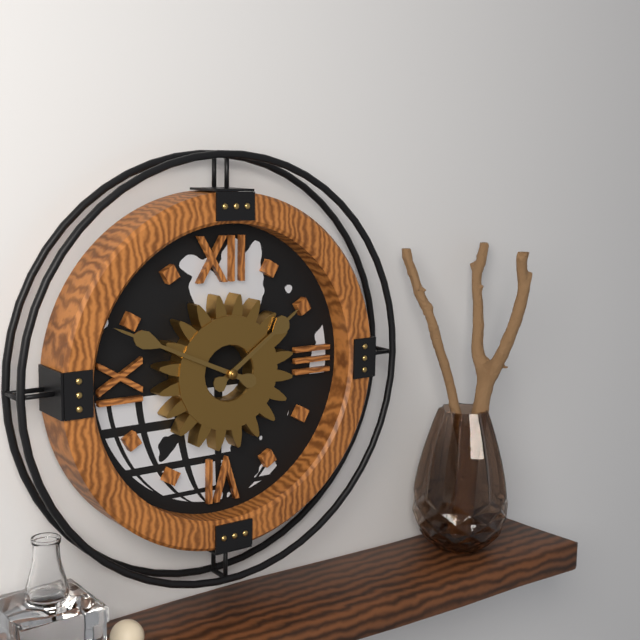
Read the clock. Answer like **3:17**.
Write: **1:49**
